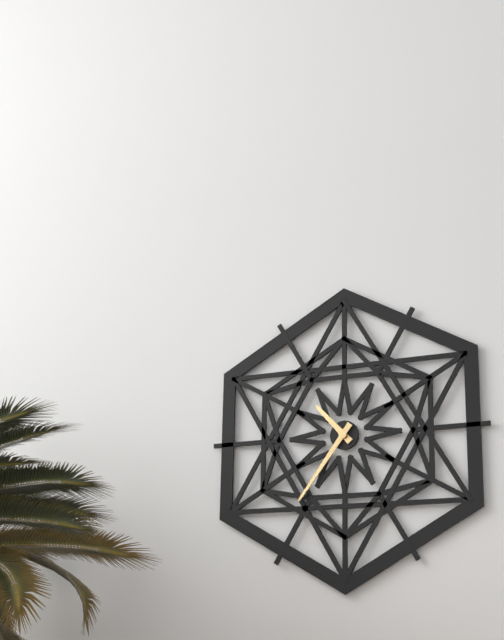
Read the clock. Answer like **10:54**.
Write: **10:36**
